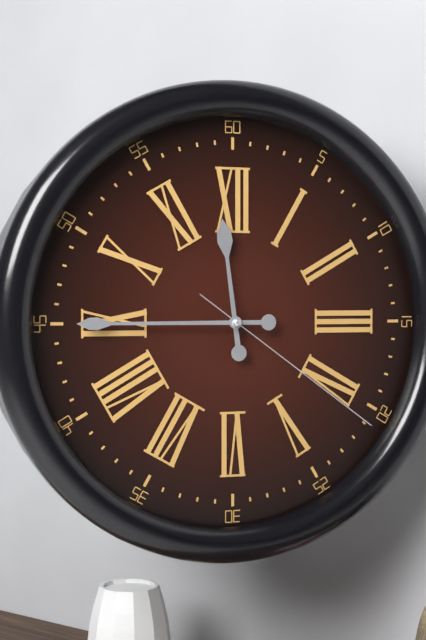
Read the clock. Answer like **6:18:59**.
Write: **11:45:21**
